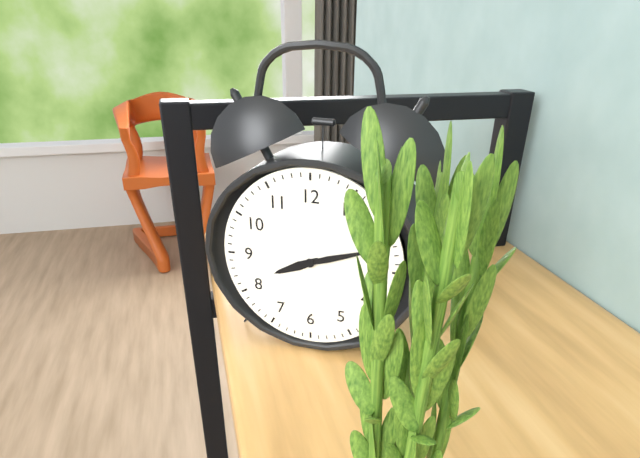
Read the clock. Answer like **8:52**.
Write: **8:12**
